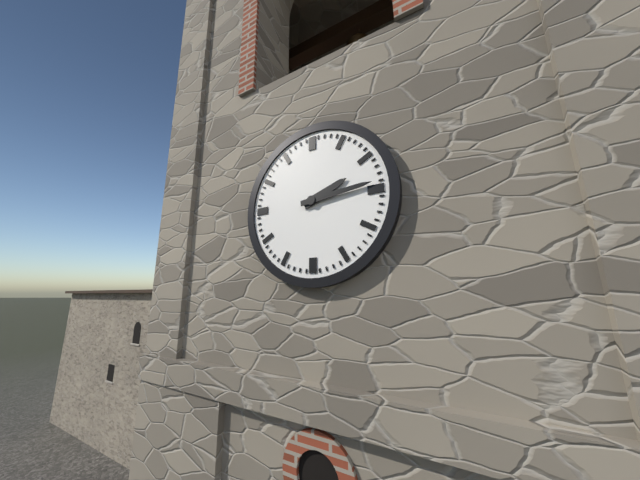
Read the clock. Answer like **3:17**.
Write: **2:14**
